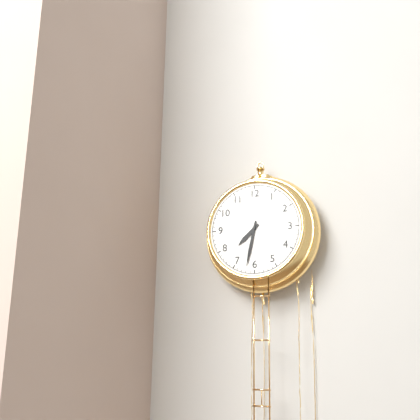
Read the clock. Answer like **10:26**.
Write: **7:32**
